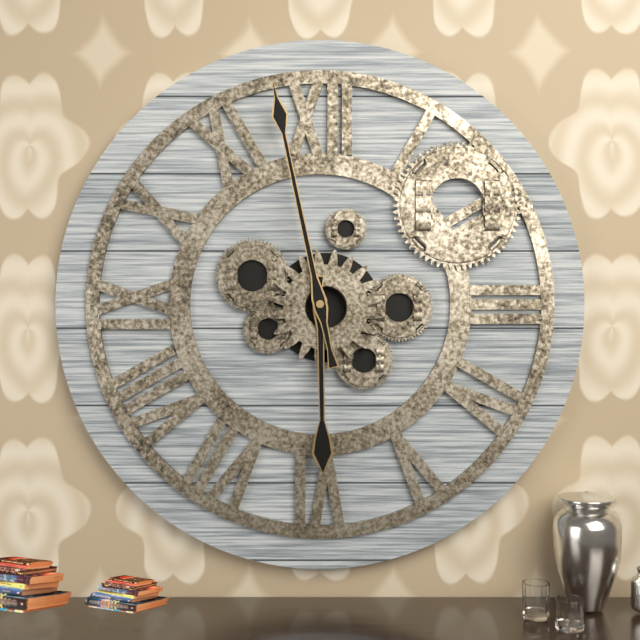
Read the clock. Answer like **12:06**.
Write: **5:58**
